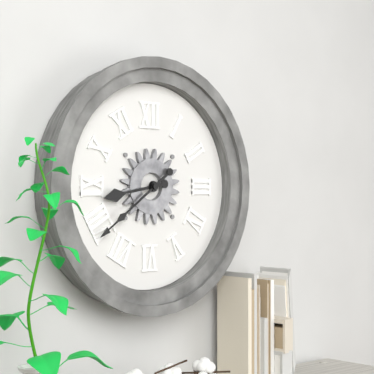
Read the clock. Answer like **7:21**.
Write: **8:39**
